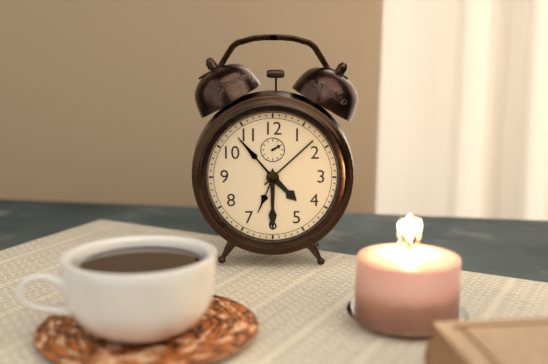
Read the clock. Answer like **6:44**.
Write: **4:30**
